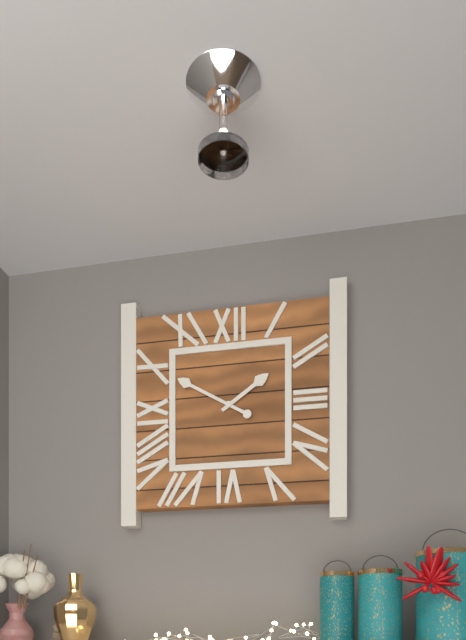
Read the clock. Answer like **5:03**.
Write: **1:50**
